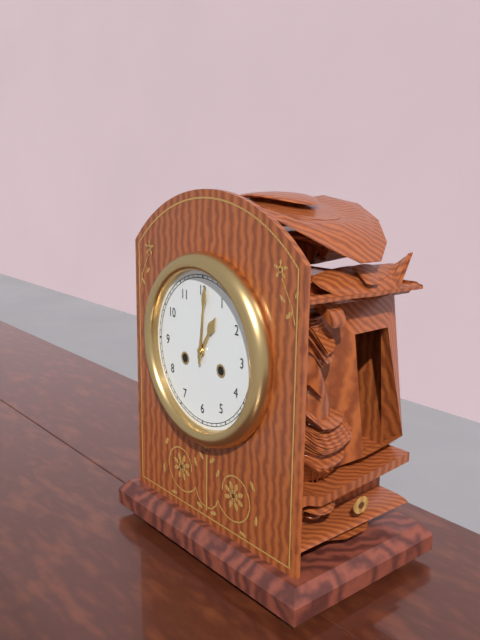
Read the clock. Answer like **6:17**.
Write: **1:01**
